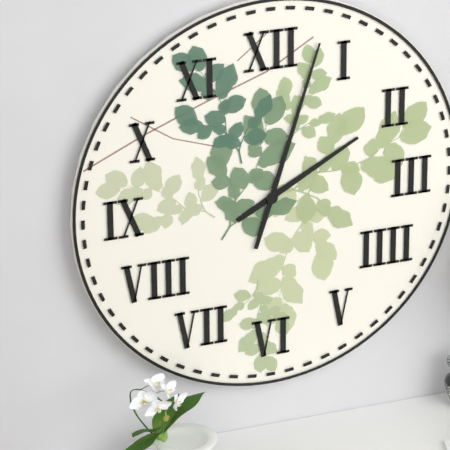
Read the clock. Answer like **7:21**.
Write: **2:03**
